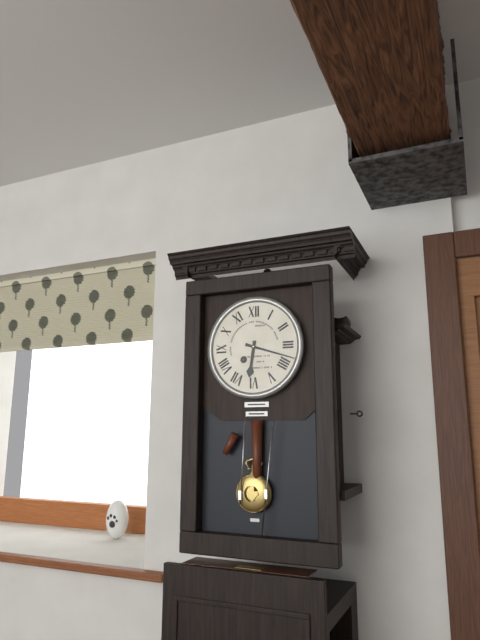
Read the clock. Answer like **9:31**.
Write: **6:18**
